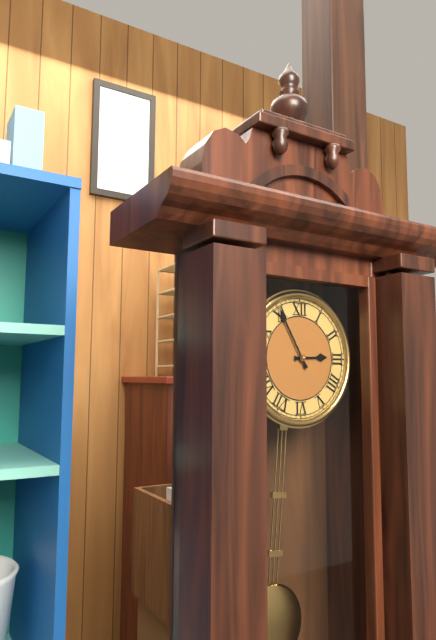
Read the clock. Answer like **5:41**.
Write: **2:55**
